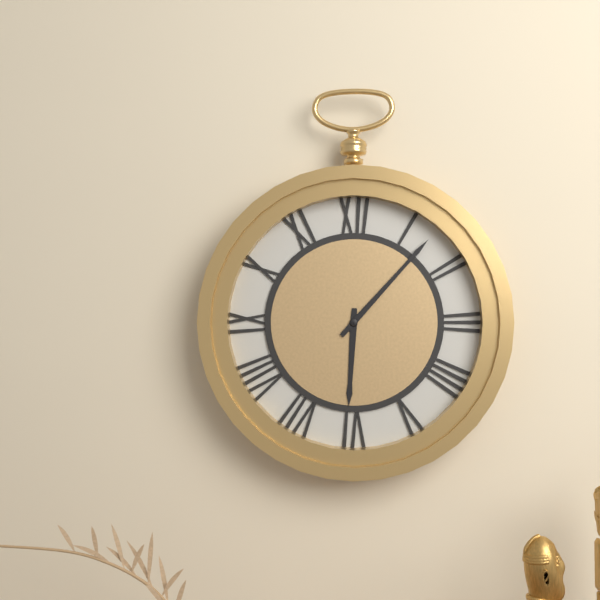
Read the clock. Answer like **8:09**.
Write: **6:07**
